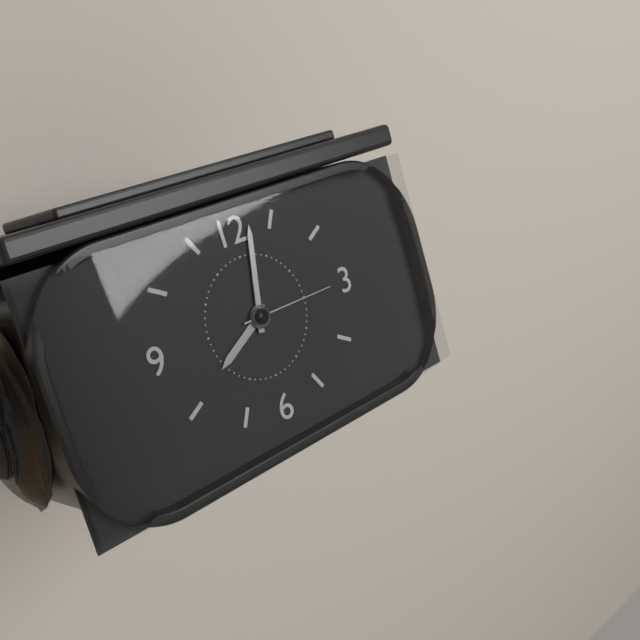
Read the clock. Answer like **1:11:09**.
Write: **8:02:15**
